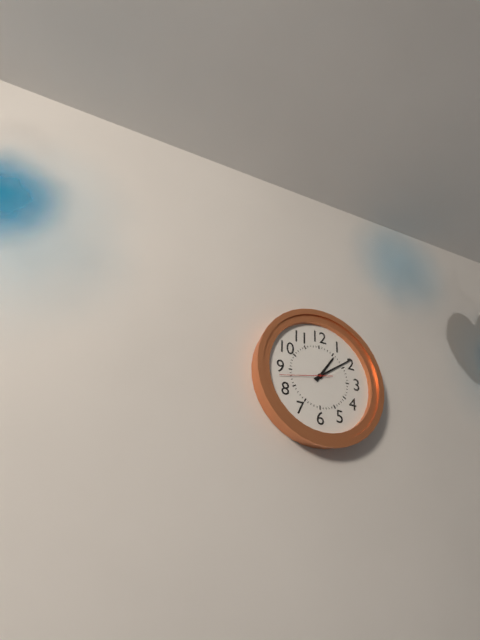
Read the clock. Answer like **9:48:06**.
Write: **1:09:43**
